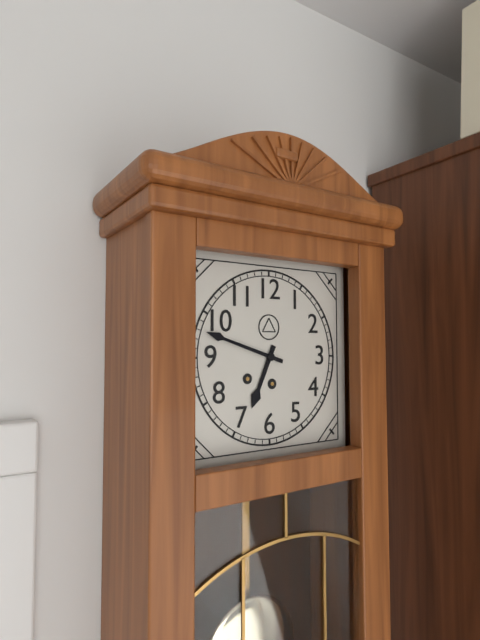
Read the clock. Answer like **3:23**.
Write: **6:48**
